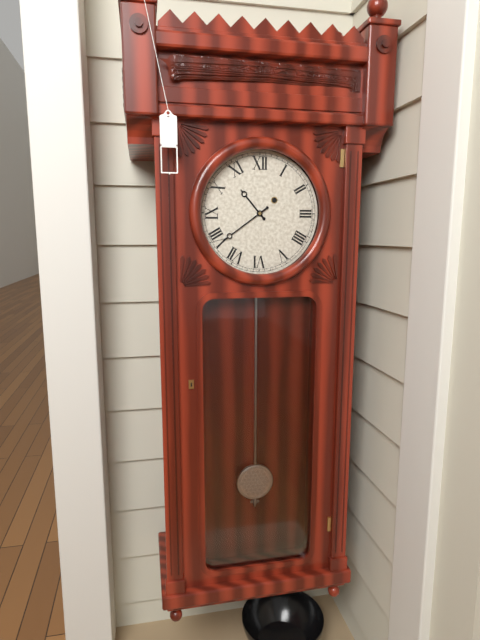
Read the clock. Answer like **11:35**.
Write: **10:39**
